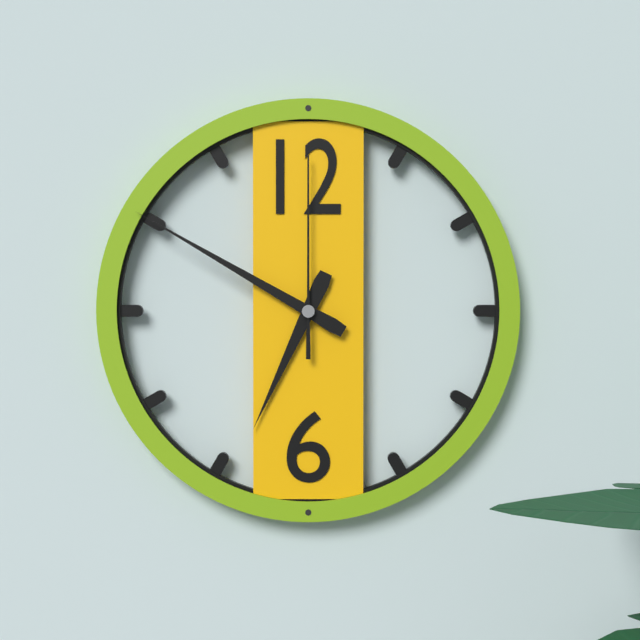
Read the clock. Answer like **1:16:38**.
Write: **6:50:00**
